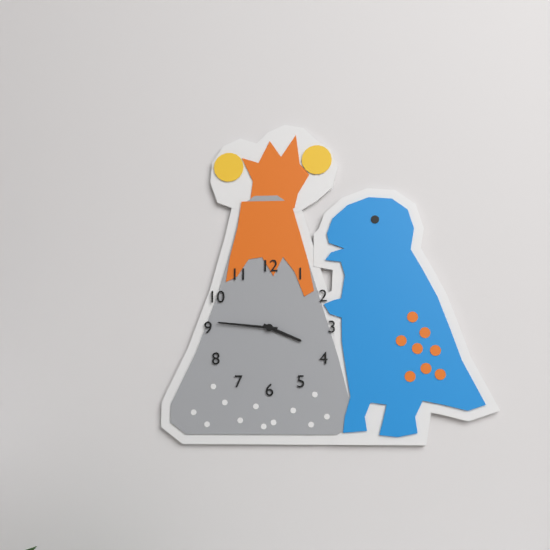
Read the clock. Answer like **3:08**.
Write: **3:46**
